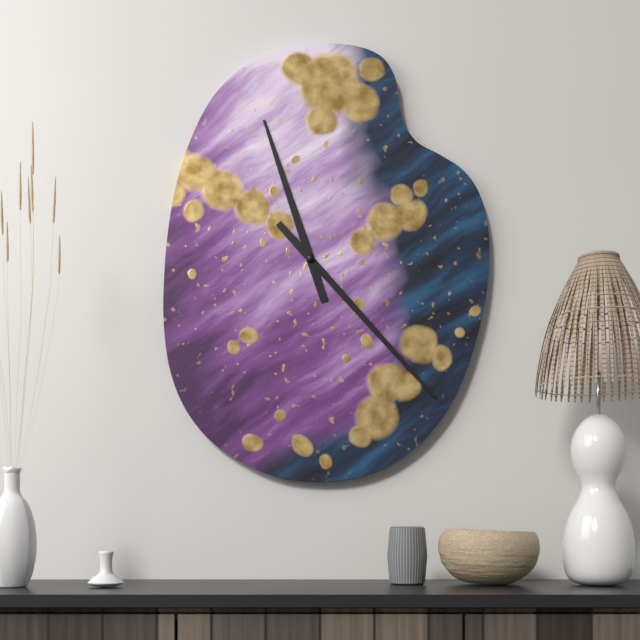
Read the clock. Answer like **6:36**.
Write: **11:23**
